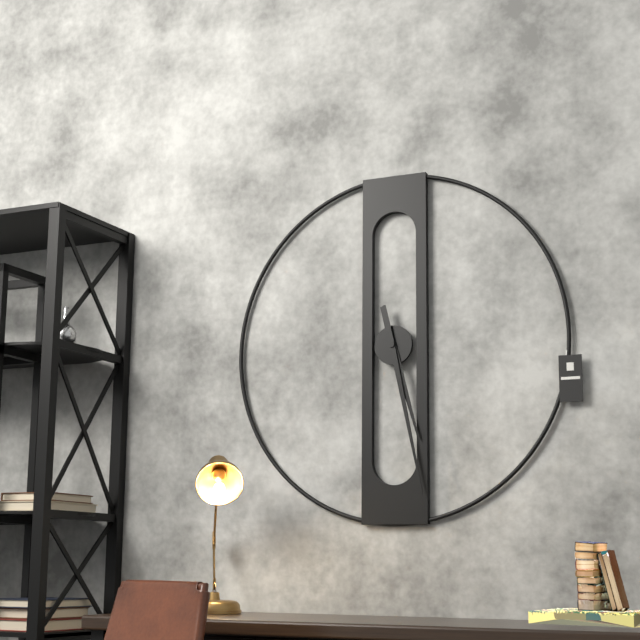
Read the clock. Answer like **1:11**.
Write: **5:28**
